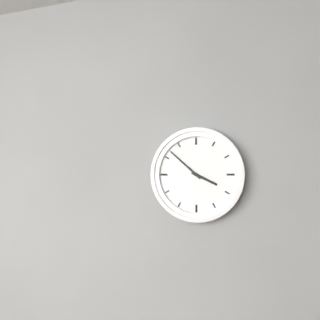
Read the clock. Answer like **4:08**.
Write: **3:52**
